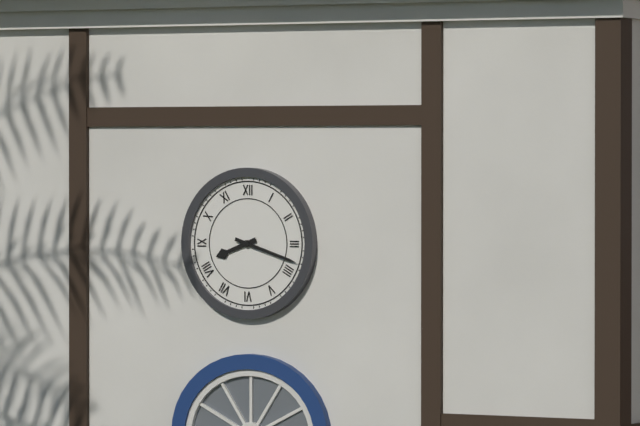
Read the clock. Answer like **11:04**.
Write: **8:18**
